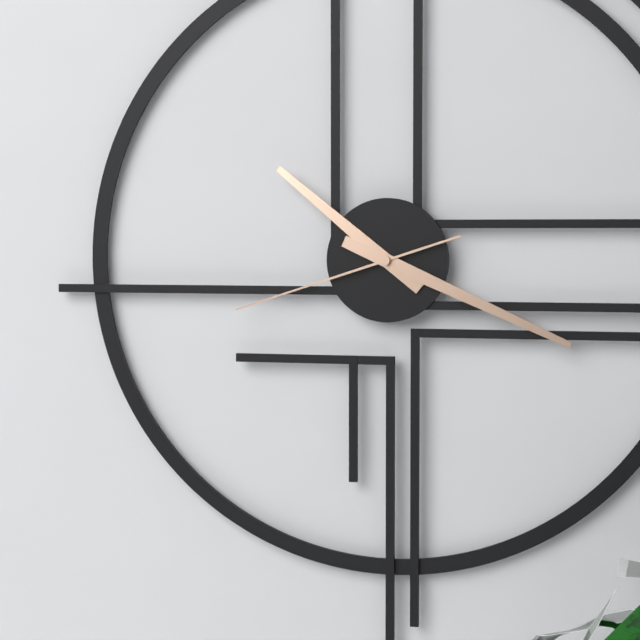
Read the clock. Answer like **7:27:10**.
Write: **10:19:42**
